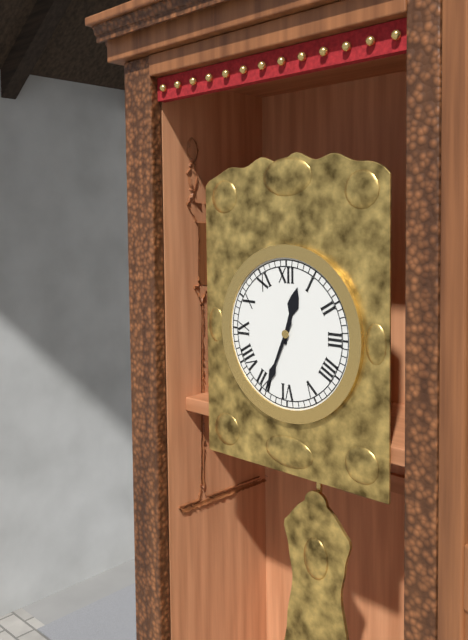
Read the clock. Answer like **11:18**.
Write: **12:34**
